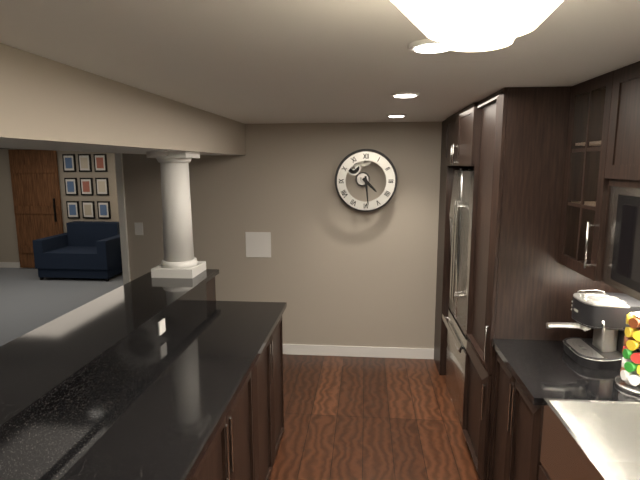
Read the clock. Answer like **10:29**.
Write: **4:29**
